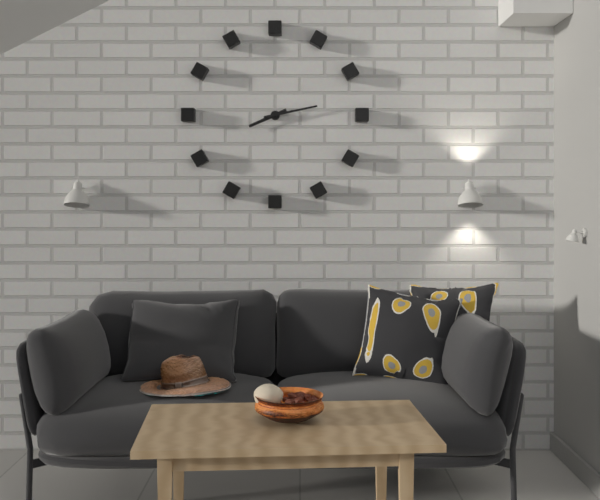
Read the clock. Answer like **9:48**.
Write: **8:13**
